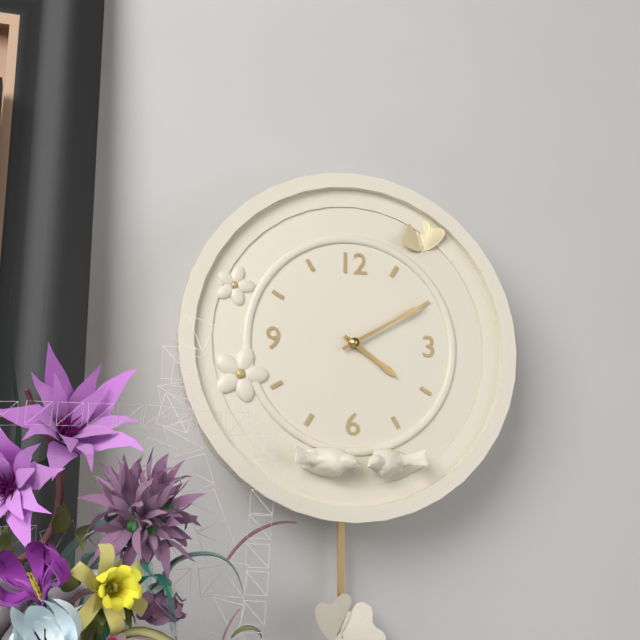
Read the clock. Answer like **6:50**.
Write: **4:10**
